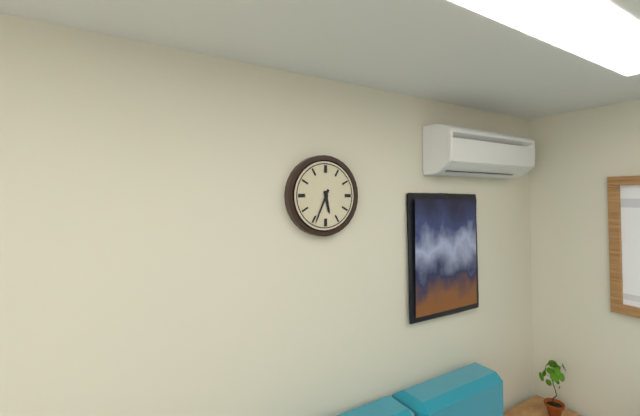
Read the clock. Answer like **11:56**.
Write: **5:34**
